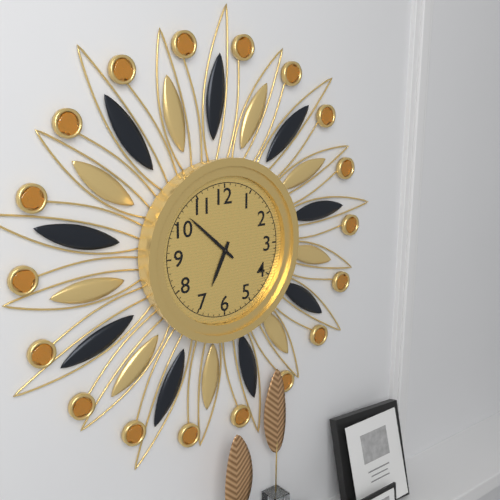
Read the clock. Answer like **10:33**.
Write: **6:52**
